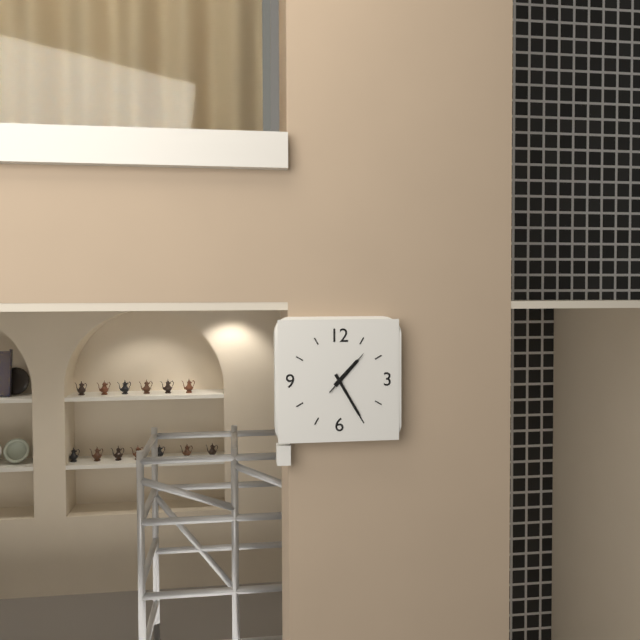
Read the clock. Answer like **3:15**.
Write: **1:25**
